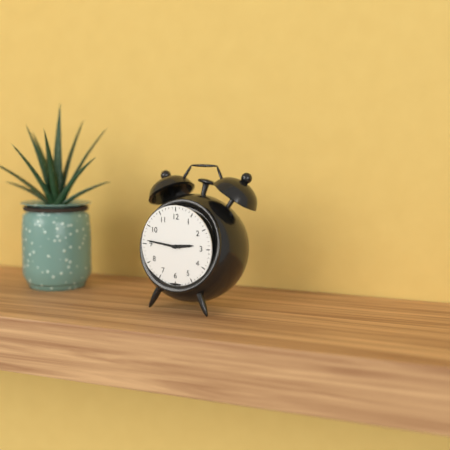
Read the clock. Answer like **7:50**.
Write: **2:46**
